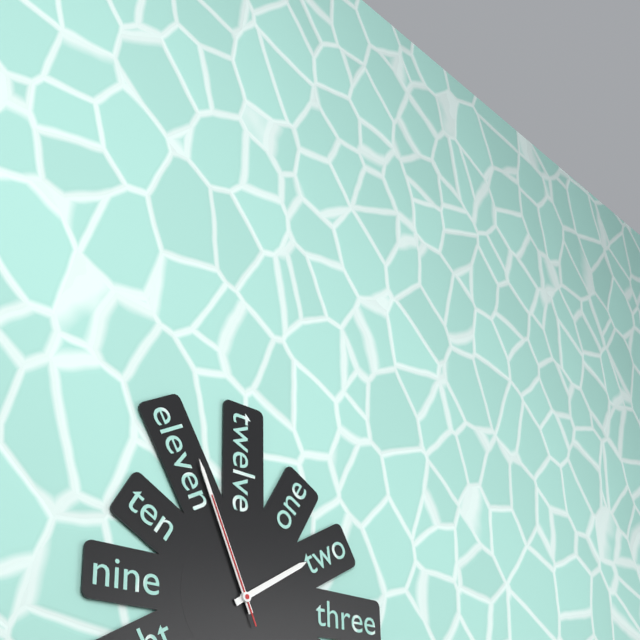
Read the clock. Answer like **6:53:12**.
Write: **1:56:56**
